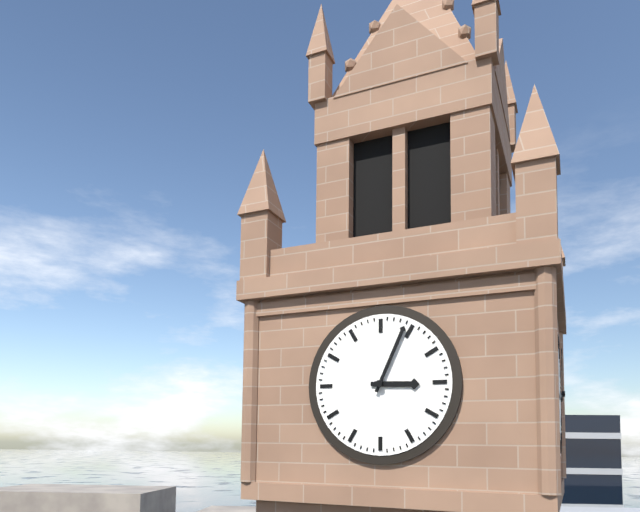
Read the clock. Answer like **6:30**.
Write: **3:04**
